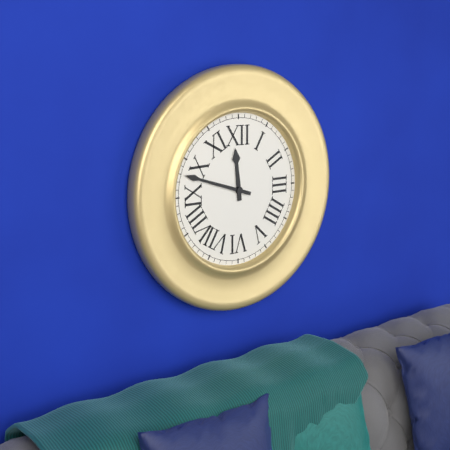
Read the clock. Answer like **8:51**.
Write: **11:48**
